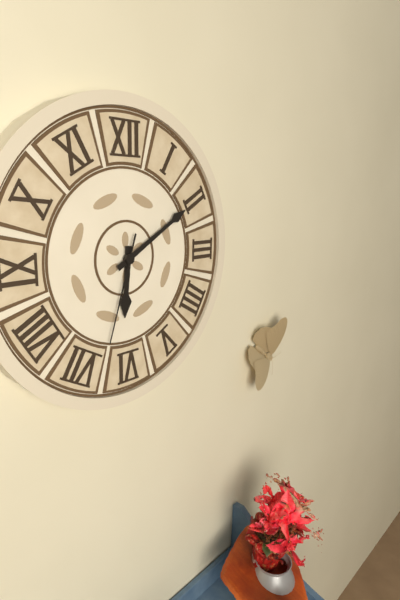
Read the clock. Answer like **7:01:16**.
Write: **6:10:33**
